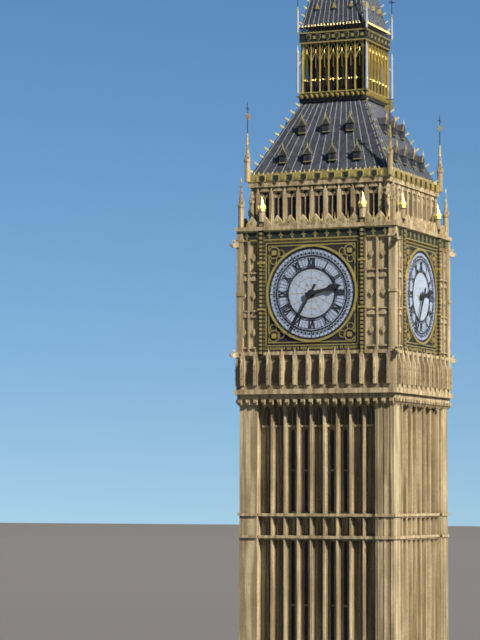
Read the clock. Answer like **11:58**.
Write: **2:35**
